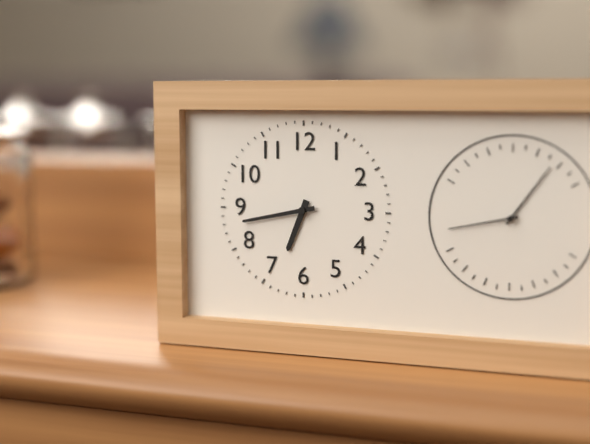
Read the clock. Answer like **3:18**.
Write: **6:43**
